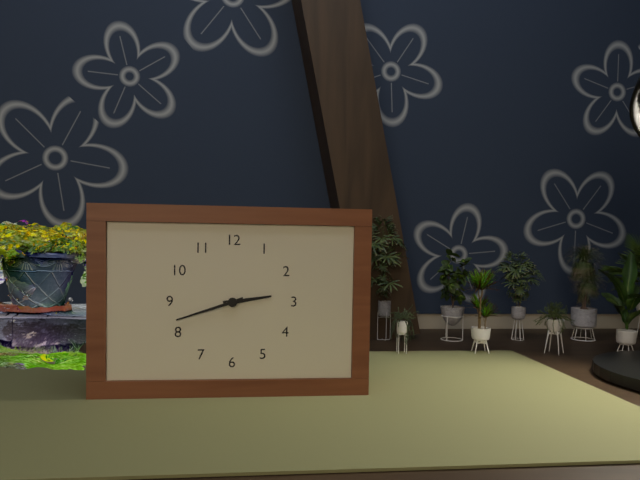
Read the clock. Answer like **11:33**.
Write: **2:42**
